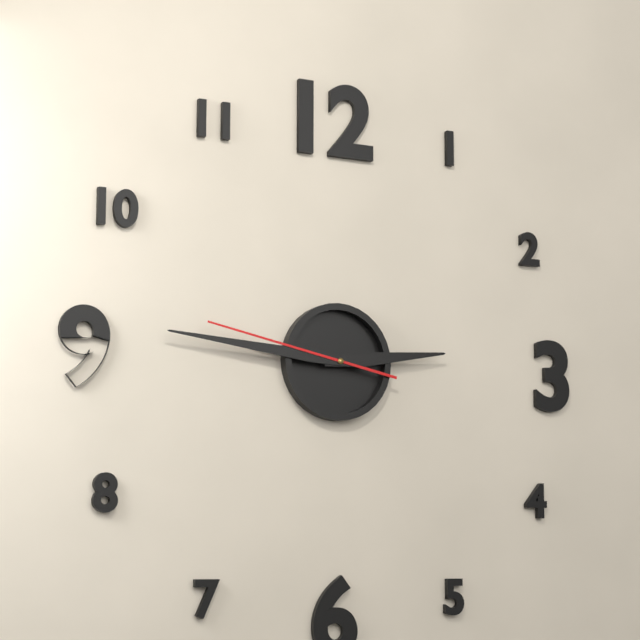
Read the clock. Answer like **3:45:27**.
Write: **2:46:47**
